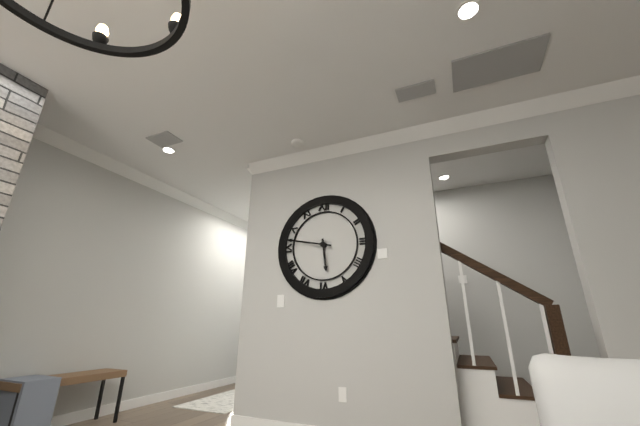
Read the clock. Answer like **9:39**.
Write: **5:47**
